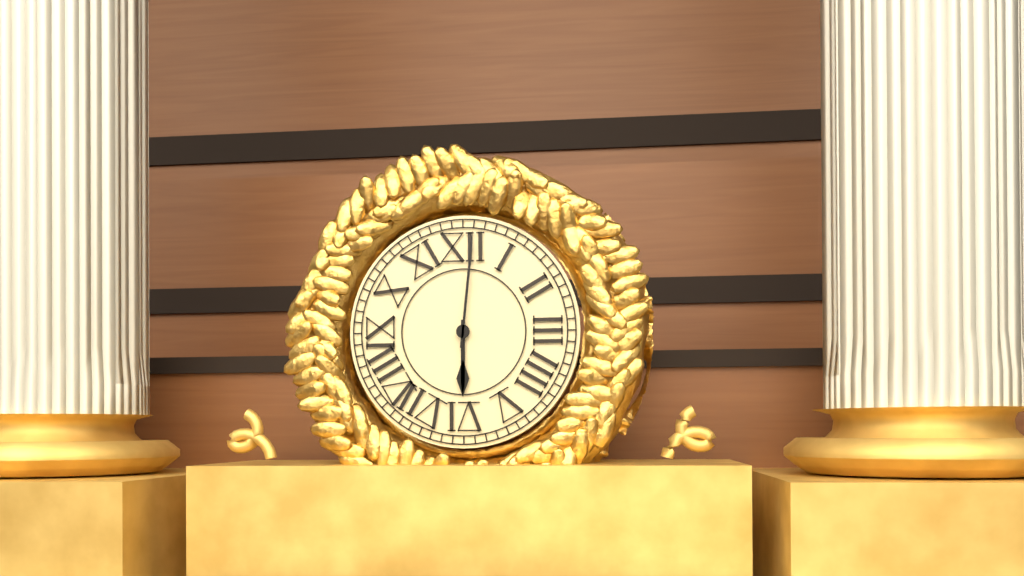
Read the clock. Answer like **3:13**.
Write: **6:01**
